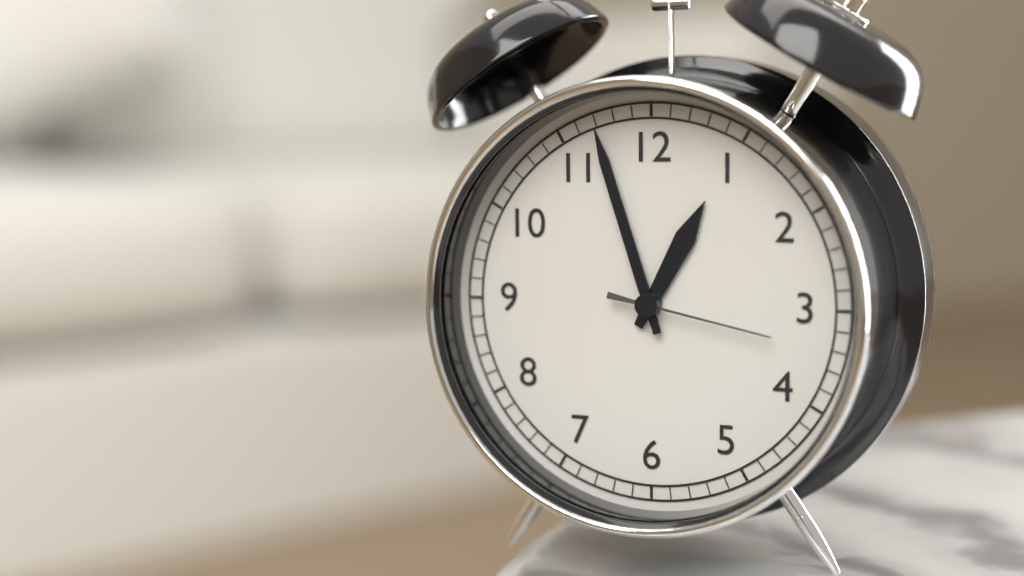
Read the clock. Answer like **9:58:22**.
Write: **12:57:17**
